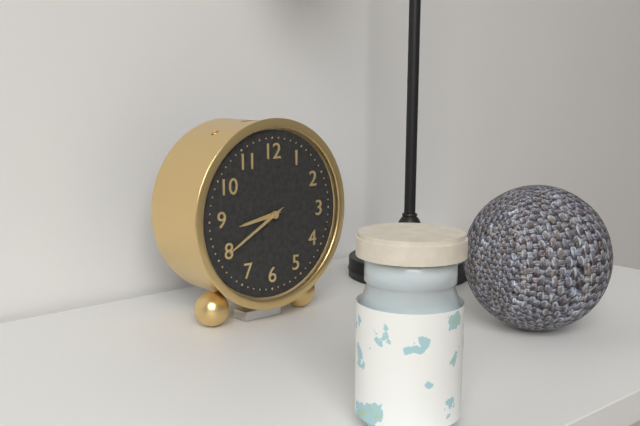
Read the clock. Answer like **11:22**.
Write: **8:40**
